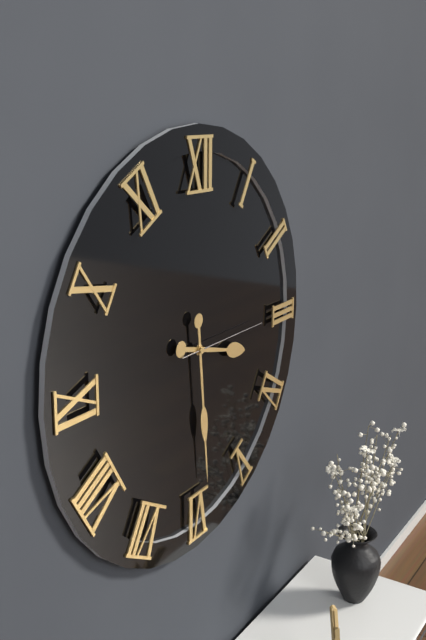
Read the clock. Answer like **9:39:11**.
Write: **3:29:15**
